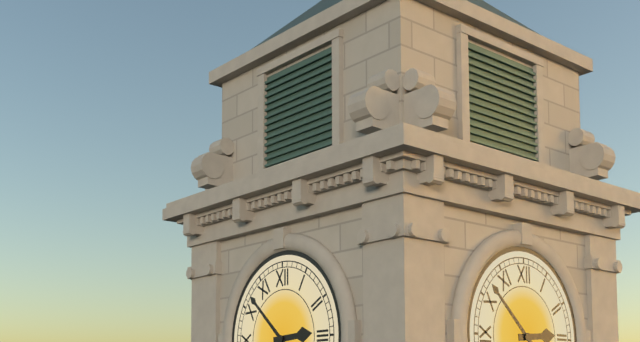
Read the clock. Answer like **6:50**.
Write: **2:52**
